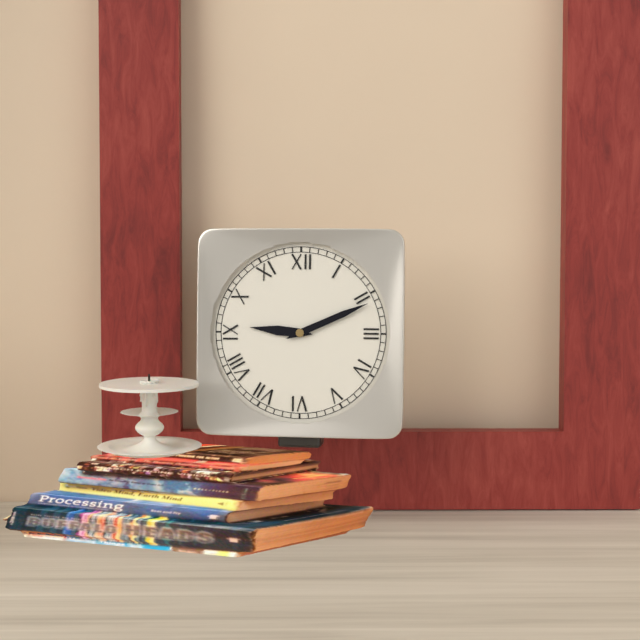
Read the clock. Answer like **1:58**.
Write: **9:11**
